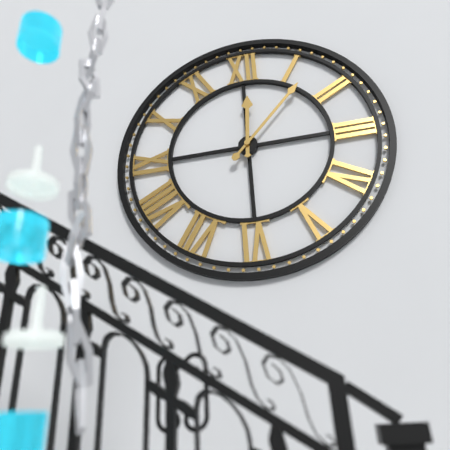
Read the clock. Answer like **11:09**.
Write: **12:07**
